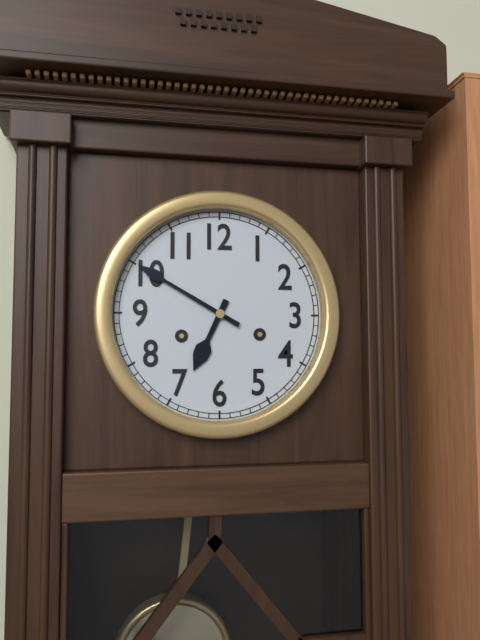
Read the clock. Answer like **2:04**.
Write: **6:50**
